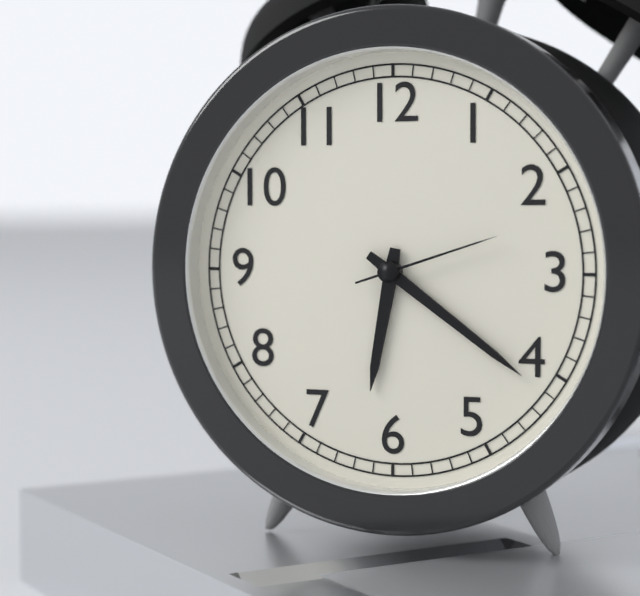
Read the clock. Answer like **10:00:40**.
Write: **6:21:12**
